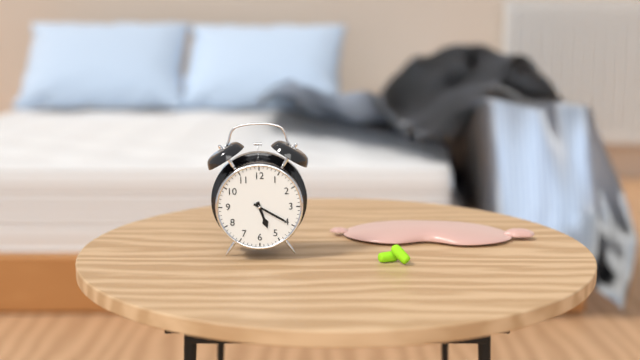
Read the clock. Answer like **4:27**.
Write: **5:20**
